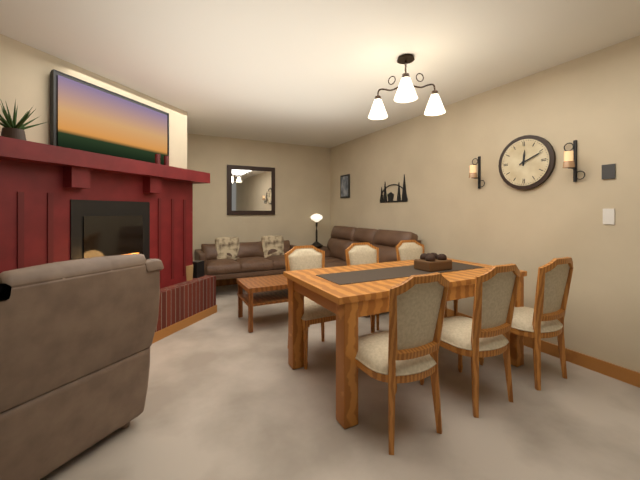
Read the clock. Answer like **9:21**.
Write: **12:11**
